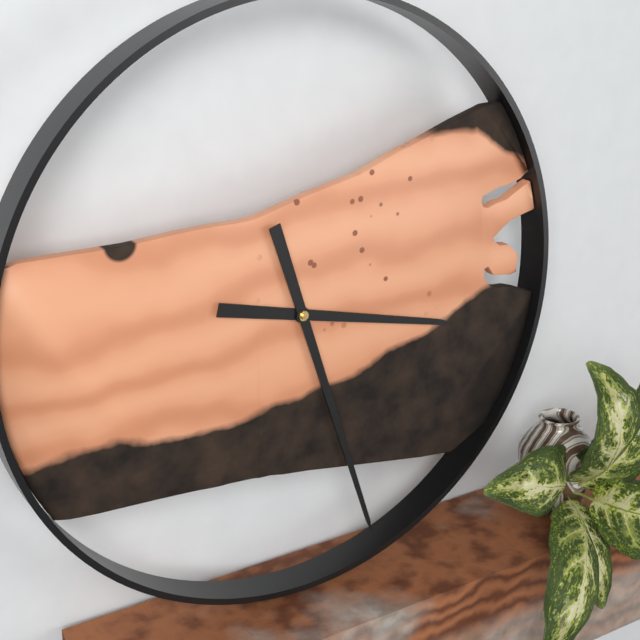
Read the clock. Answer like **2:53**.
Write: **3:27**
